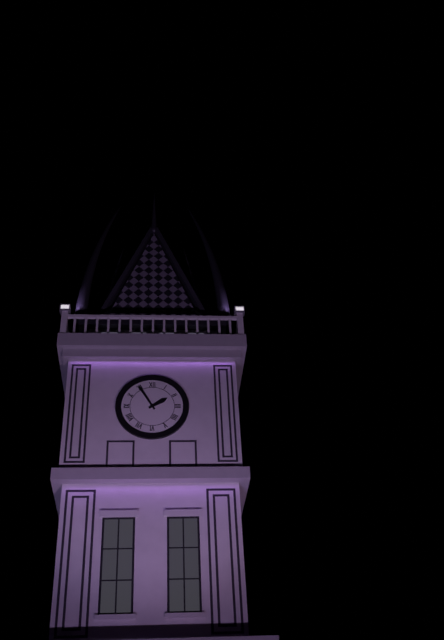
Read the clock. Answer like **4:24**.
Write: **1:55**
